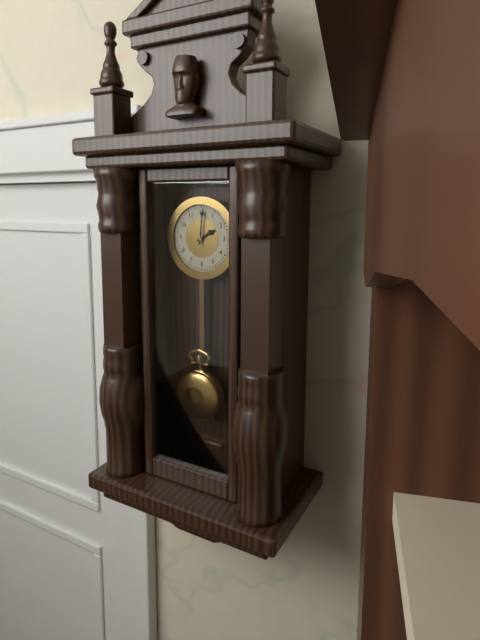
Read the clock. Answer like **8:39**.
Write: **2:01**
